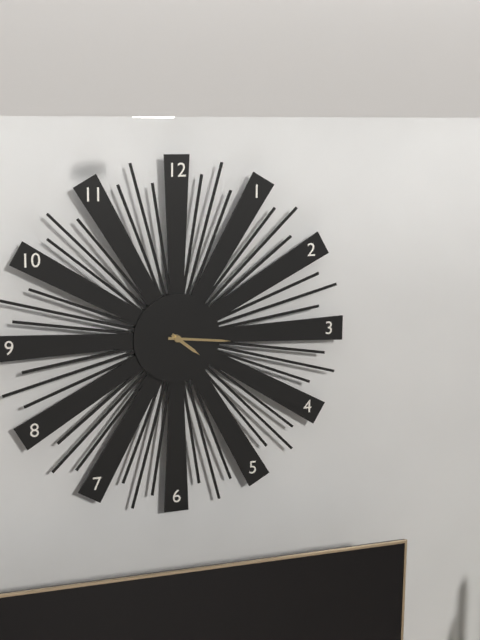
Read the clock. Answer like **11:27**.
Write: **4:16**
